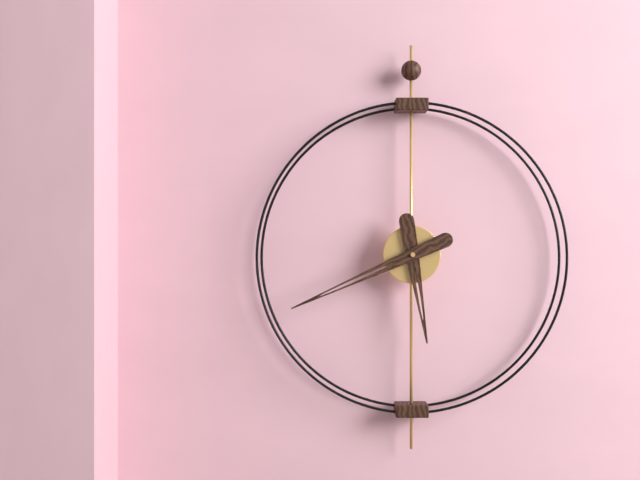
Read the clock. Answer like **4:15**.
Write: **5:41**
